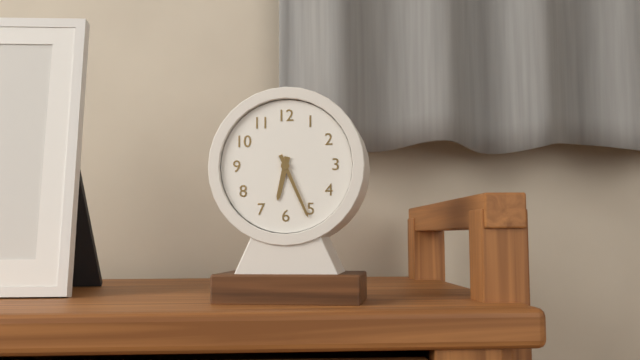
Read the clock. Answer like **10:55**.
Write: **6:26**
